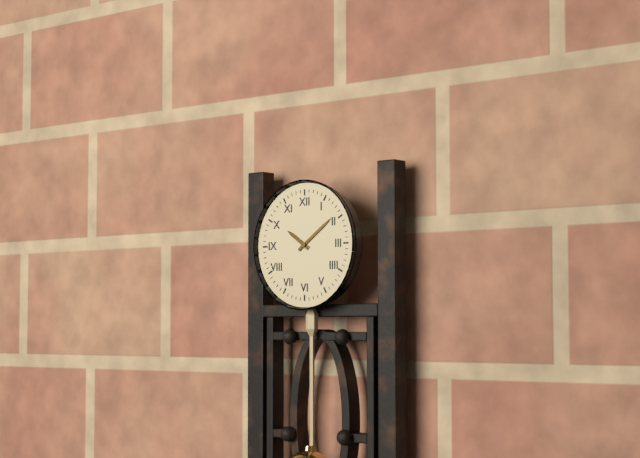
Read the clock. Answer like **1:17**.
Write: **10:09**
